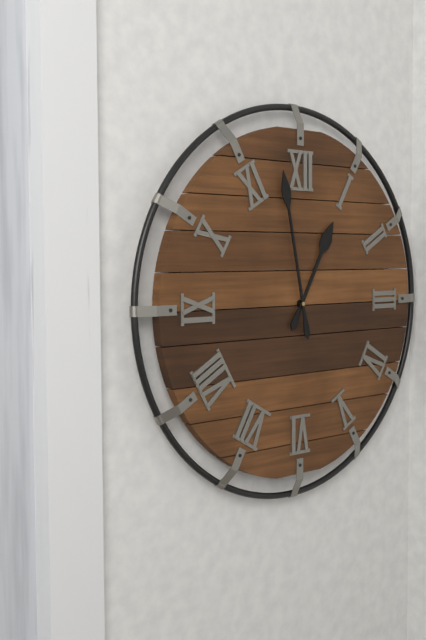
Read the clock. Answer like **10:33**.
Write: **12:58**
